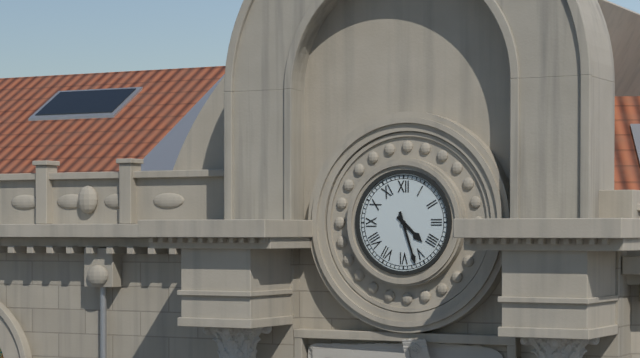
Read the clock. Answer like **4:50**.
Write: **4:27**
